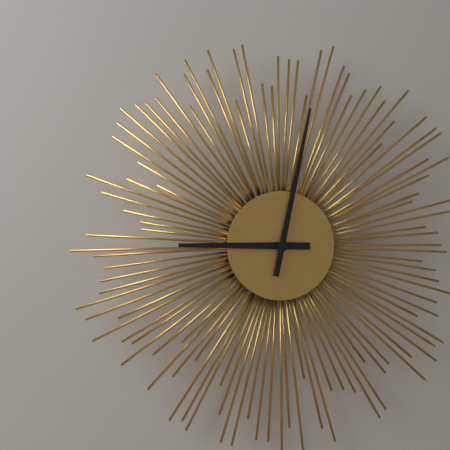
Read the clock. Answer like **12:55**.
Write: **9:02**
